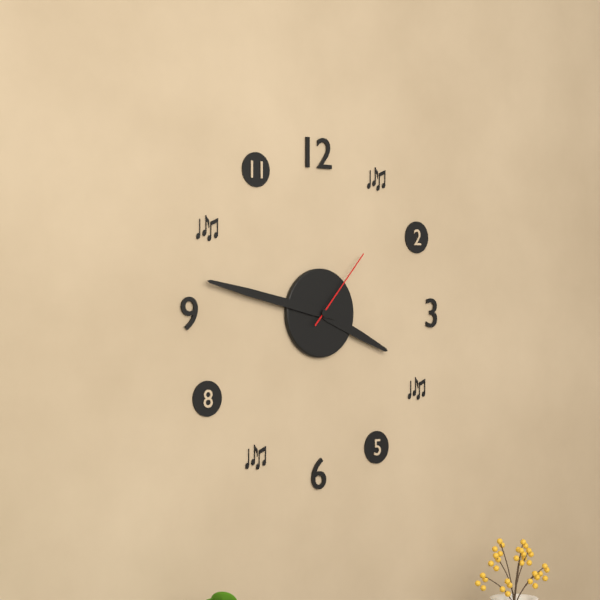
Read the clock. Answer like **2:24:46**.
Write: **3:47:07**
